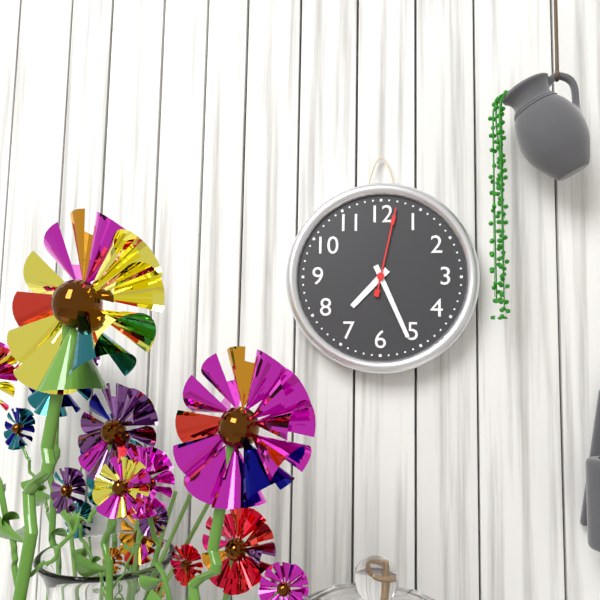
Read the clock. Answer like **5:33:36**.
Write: **7:26:02**
